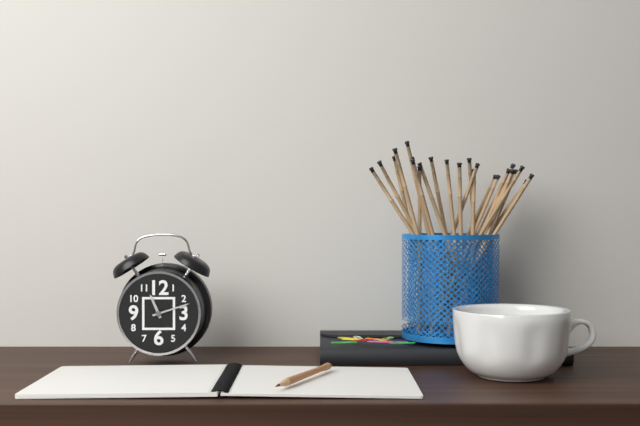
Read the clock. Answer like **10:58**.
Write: **11:12**
